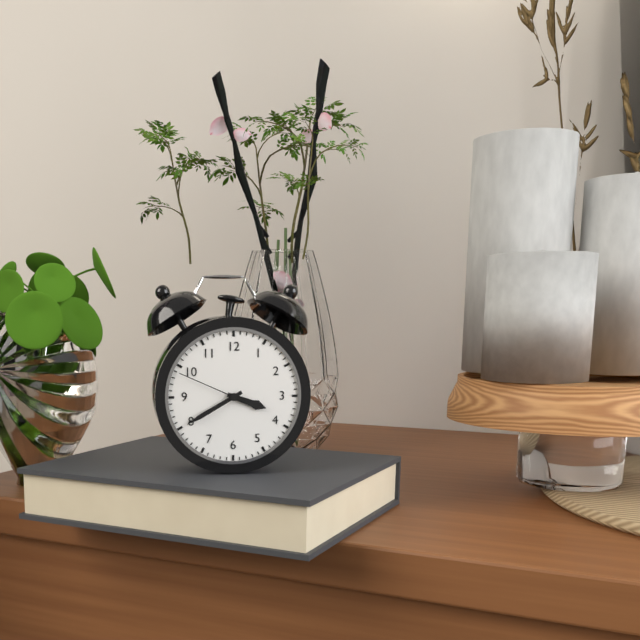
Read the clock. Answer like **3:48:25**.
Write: **3:40:49**
